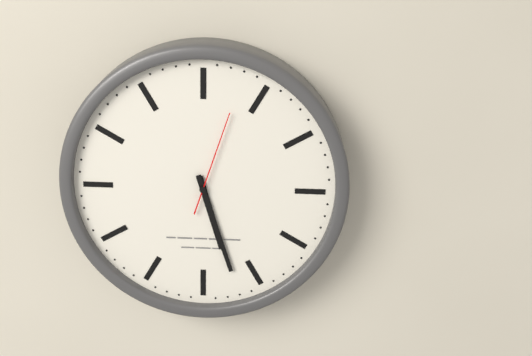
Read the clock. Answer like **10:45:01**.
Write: **5:27:03**
